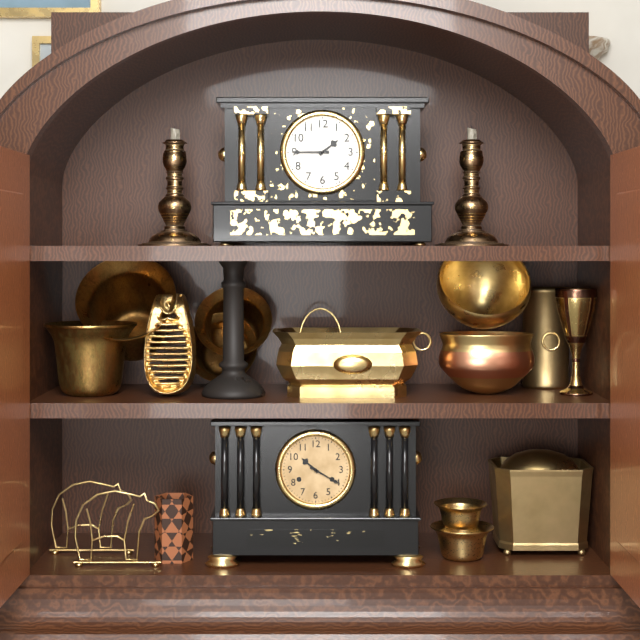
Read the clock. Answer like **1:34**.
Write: **1:45**
